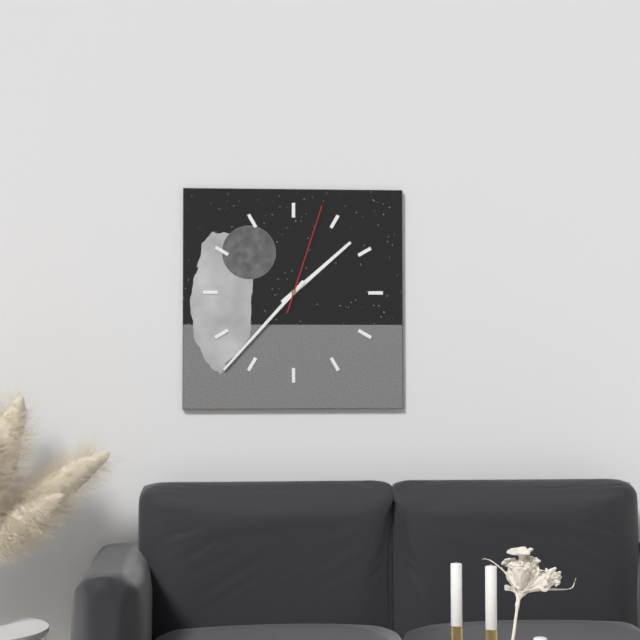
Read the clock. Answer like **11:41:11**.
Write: **1:37:03**
